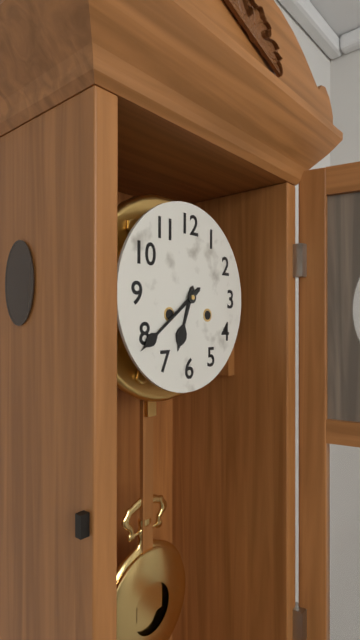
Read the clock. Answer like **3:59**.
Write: **6:39**
